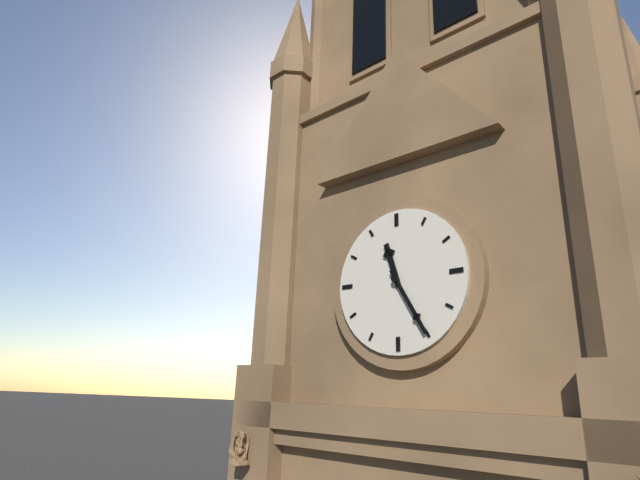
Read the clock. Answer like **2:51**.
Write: **11:25**
